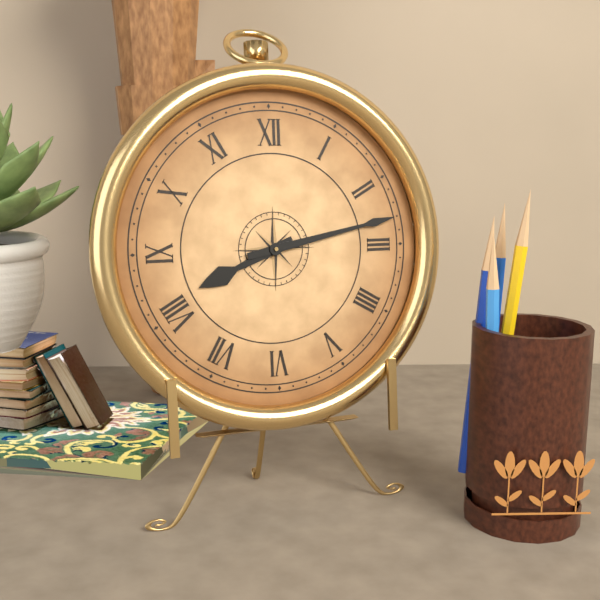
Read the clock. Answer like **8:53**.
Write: **8:13**
